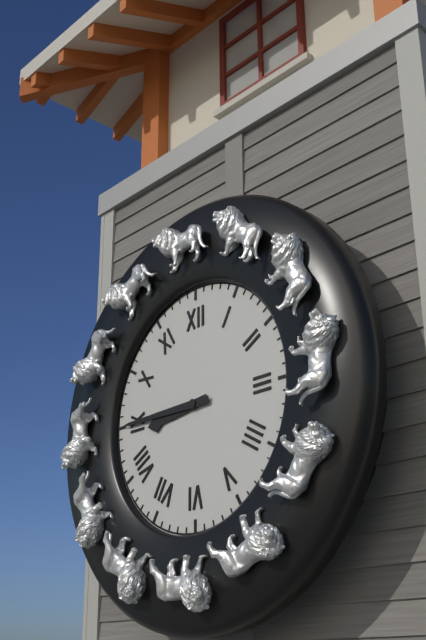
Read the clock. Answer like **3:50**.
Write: **8:45**
